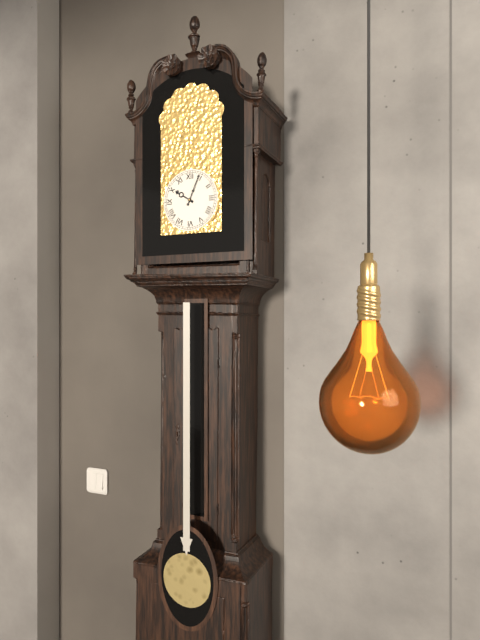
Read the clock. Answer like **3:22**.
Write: **10:04**
